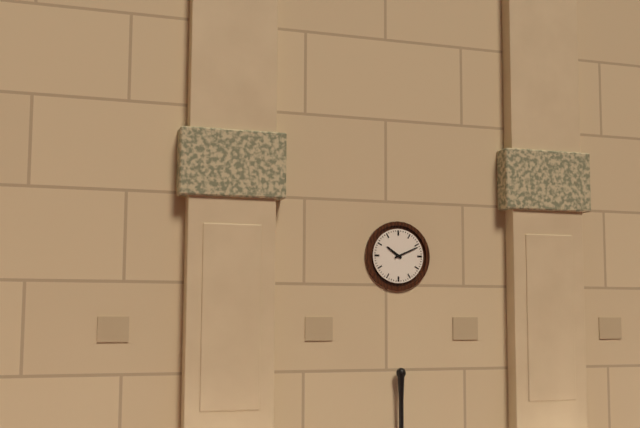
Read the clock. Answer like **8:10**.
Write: **10:11**
